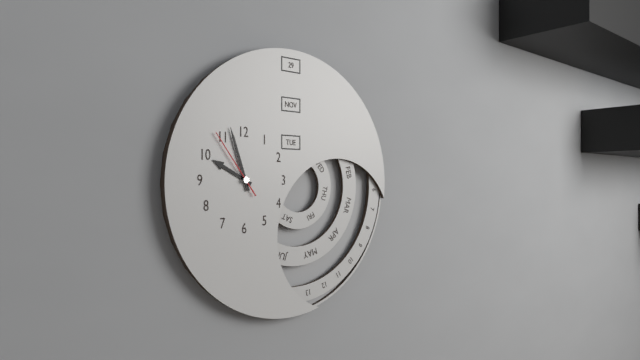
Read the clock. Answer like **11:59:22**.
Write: **9:57:54**
